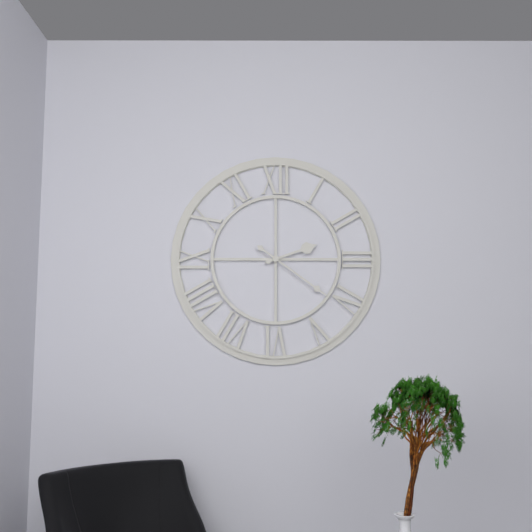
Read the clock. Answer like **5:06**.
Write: **2:21**
